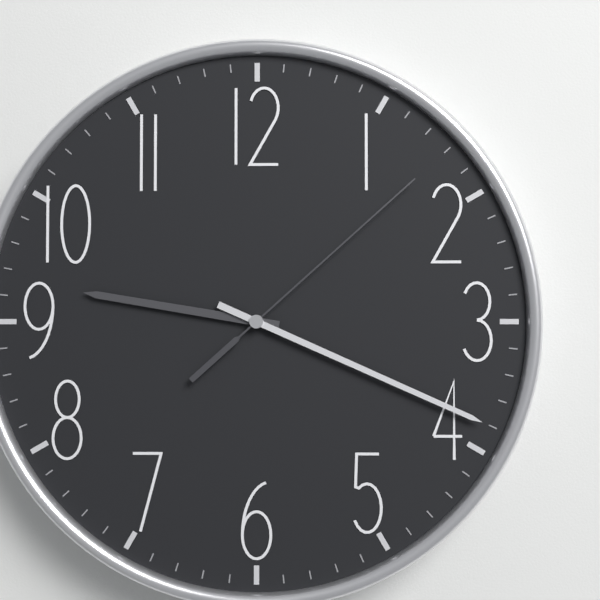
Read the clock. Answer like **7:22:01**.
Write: **9:19:08**
